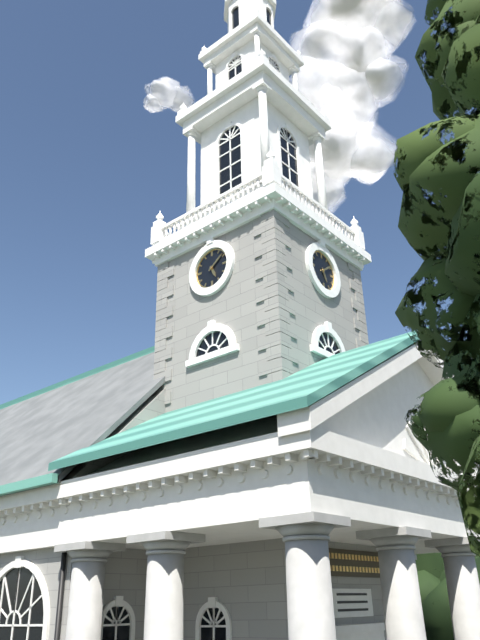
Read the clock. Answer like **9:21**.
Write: **5:09**
